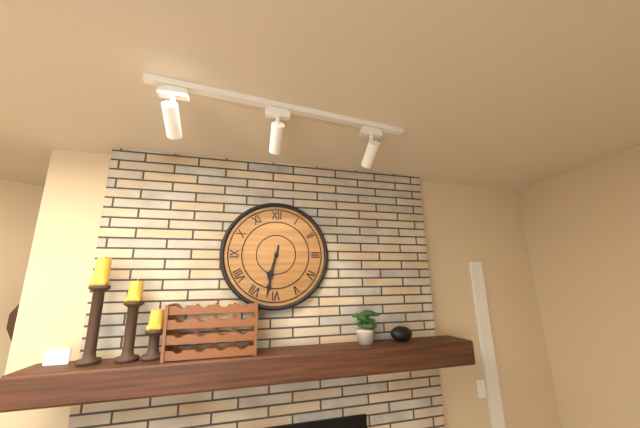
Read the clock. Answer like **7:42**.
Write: **6:32**
